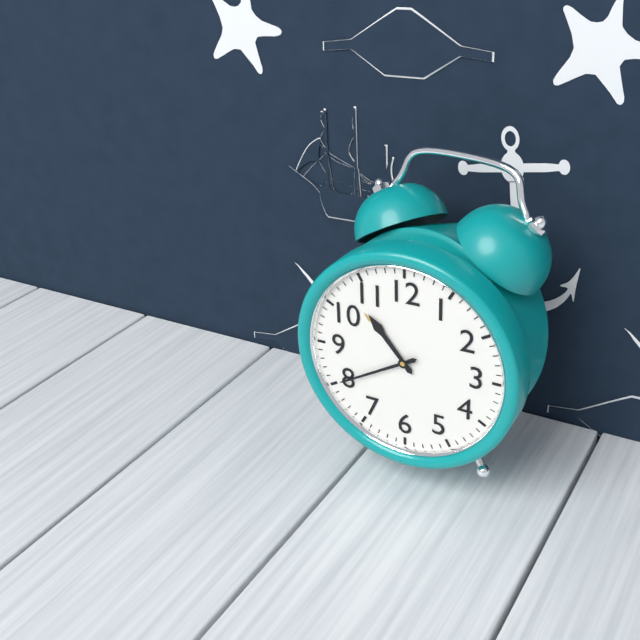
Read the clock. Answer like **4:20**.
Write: **10:40**
